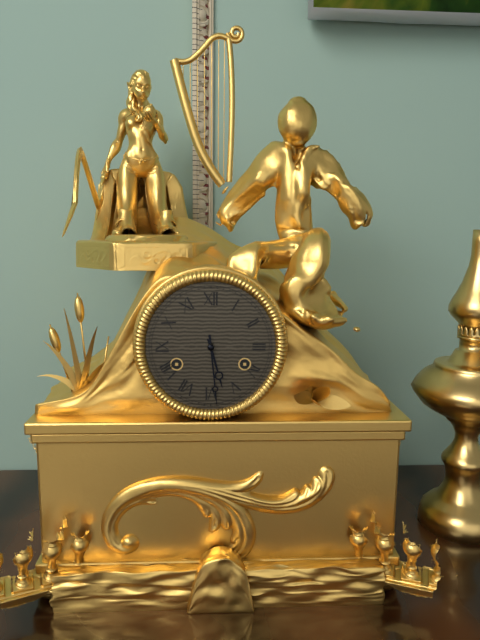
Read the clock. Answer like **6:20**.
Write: **5:29**
